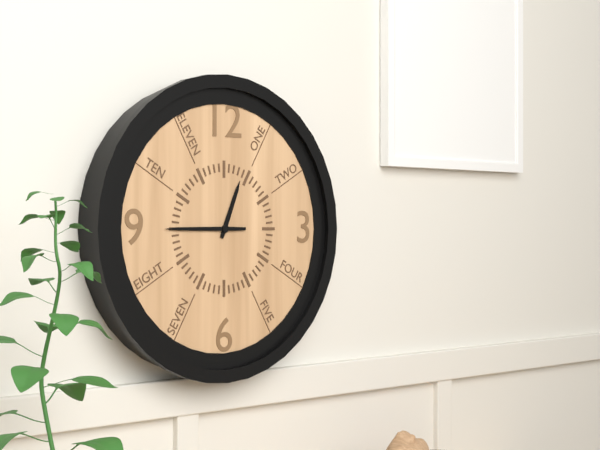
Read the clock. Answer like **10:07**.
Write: **12:45**
